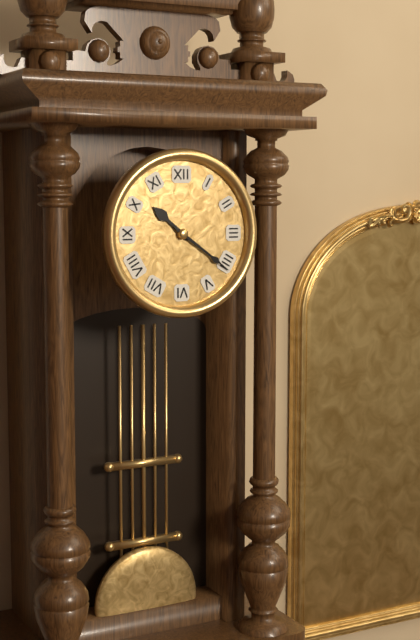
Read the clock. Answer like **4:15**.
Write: **10:21**
